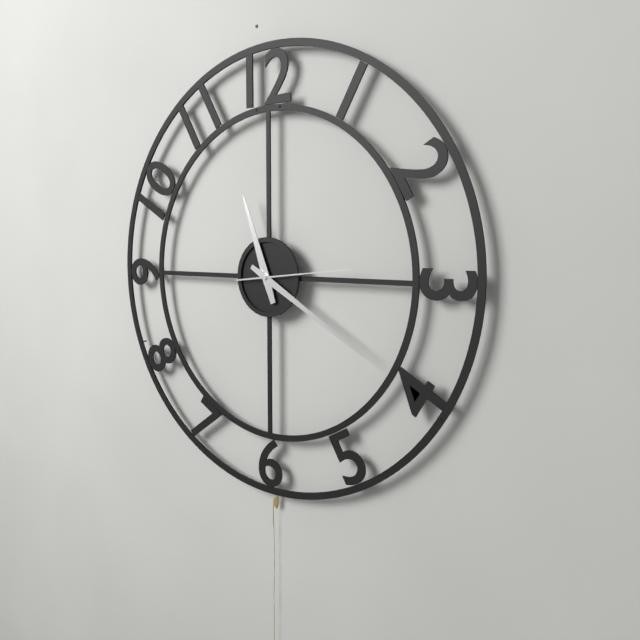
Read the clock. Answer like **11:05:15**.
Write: **11:20:14**
